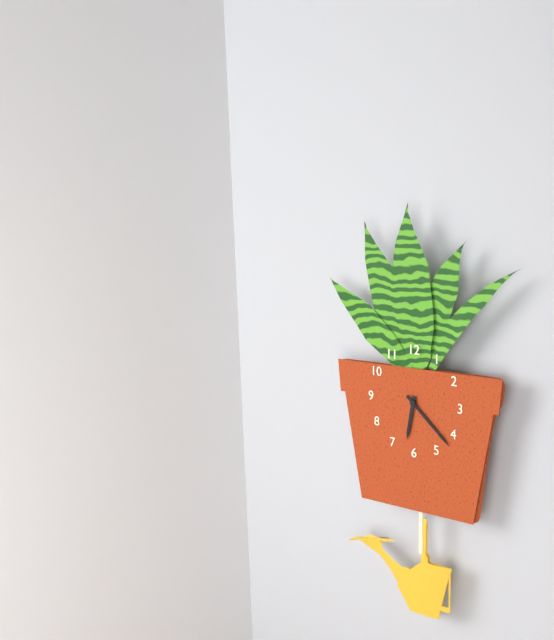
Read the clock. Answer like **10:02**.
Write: **6:22**
